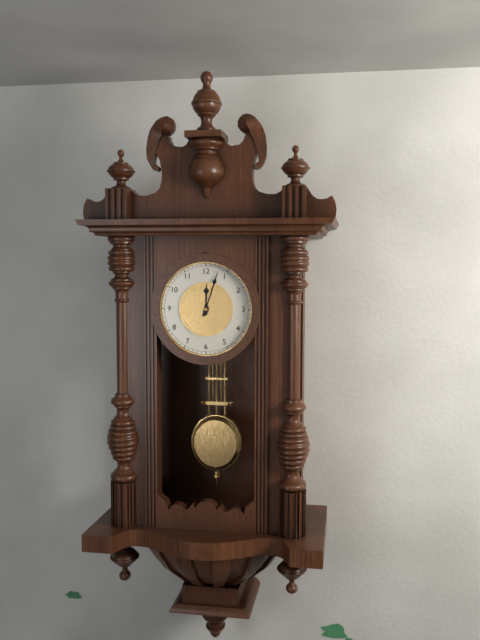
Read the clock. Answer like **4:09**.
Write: **12:03**
